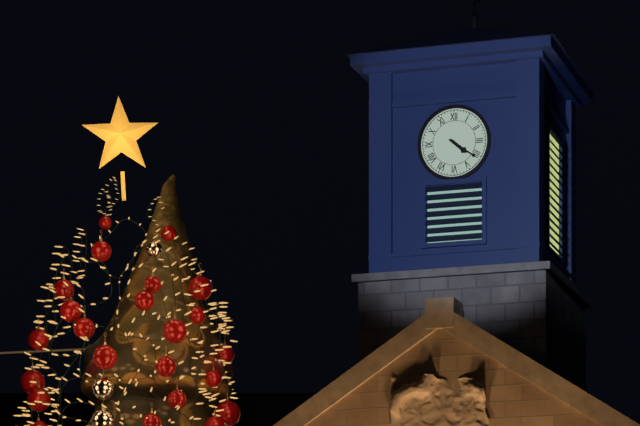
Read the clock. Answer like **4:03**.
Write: **4:21**
